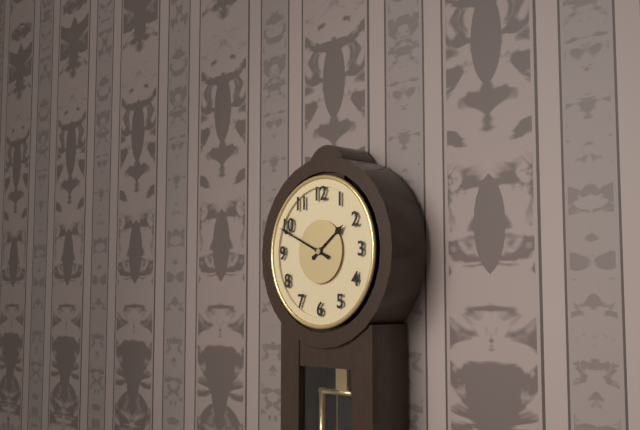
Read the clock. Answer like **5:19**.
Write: **1:49**
